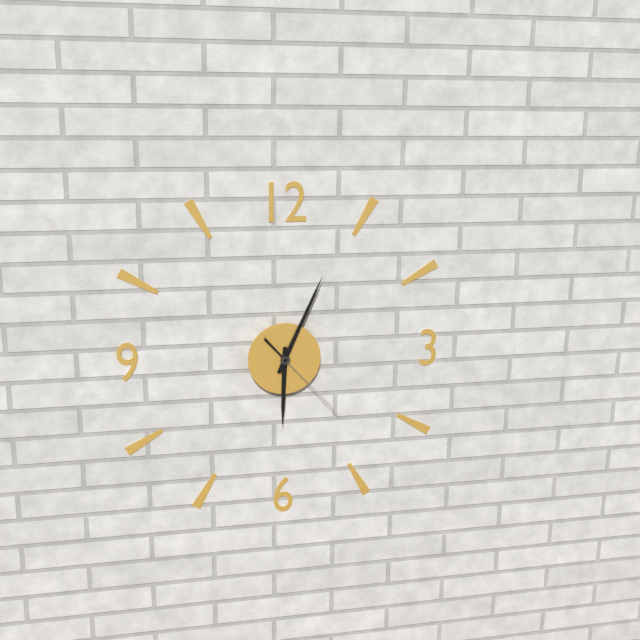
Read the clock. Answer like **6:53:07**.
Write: **6:04:23**
